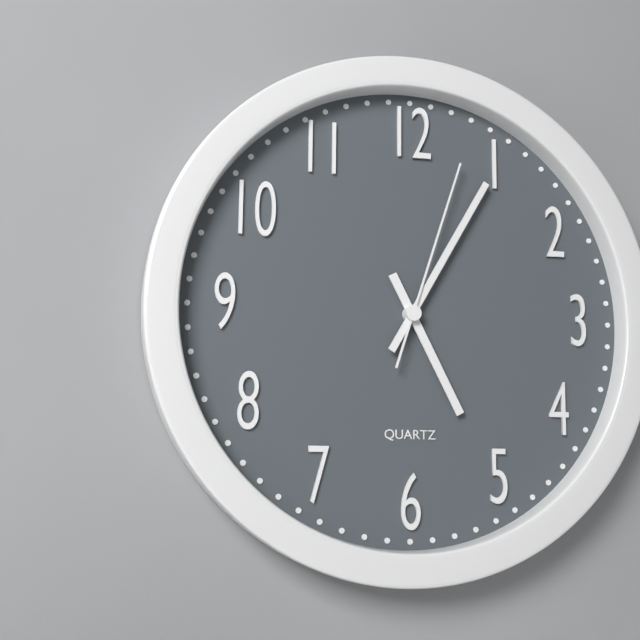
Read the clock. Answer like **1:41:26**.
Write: **5:05:03**
